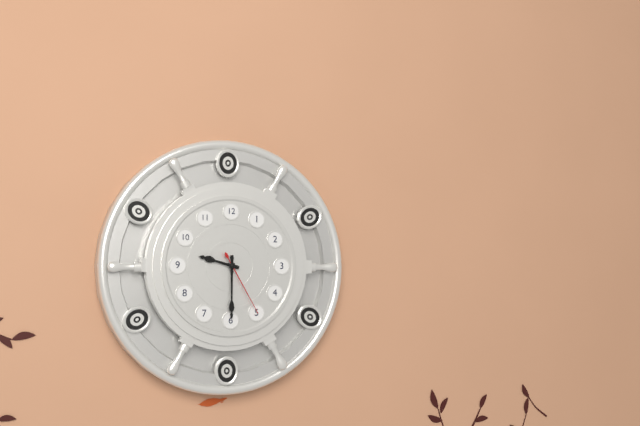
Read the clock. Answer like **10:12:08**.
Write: **9:30:25**
